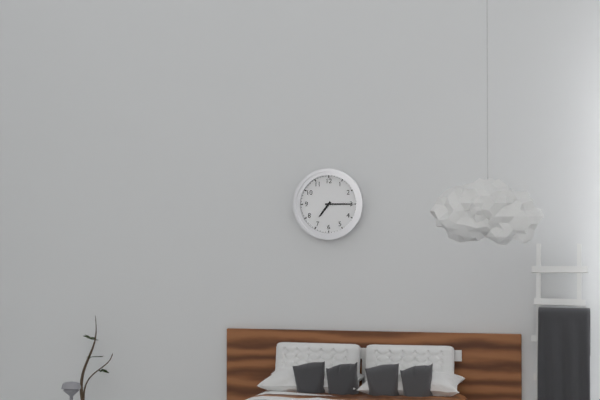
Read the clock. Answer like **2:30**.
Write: **7:15**
